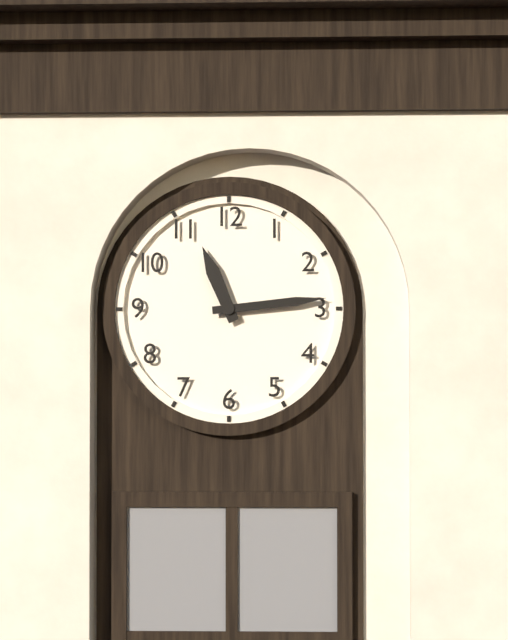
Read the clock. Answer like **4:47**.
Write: **11:14**
